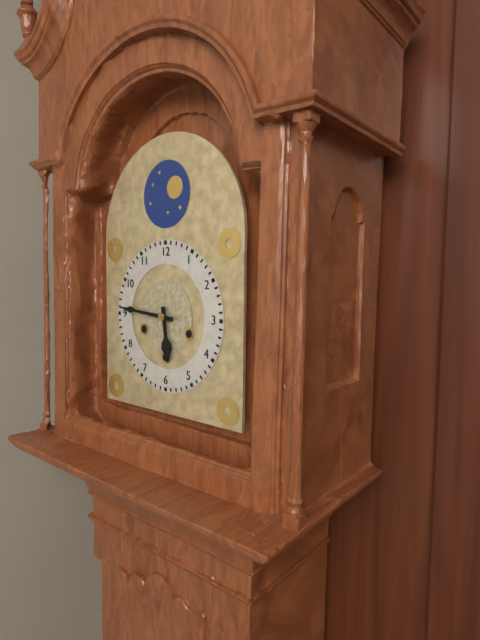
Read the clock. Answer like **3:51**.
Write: **5:46**
